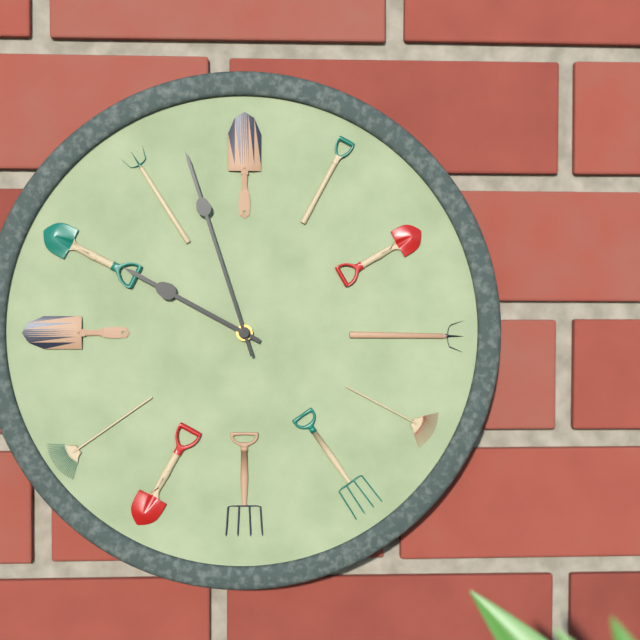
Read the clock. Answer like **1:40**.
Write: **9:57**
